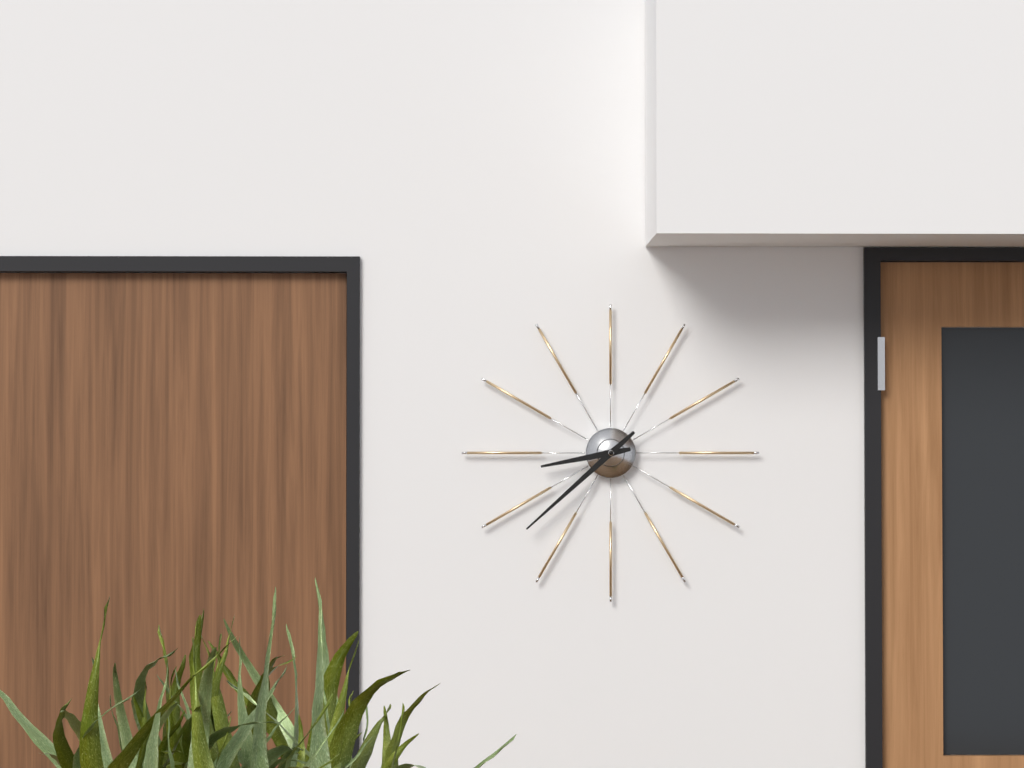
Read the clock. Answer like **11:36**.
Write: **8:38**
